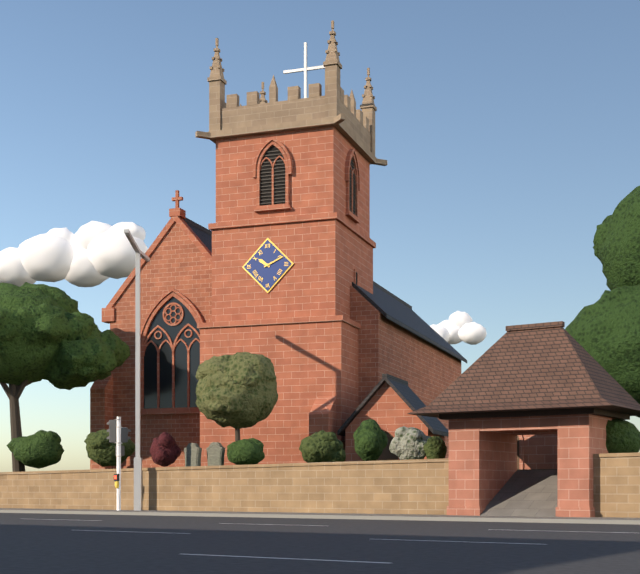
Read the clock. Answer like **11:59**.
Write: **10:11**
